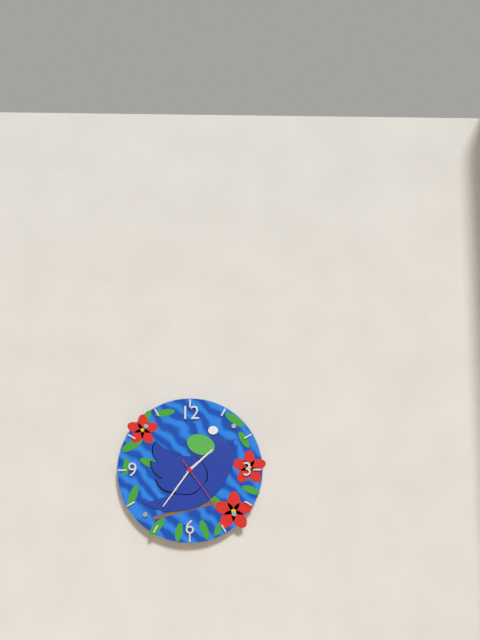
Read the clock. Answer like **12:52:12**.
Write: **1:36:24**
